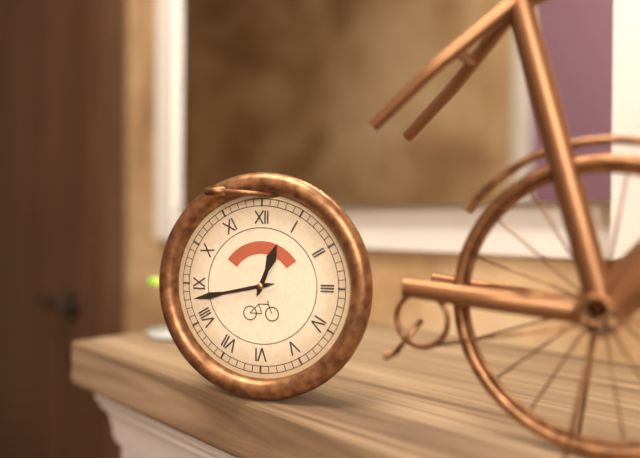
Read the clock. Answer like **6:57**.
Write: **12:43**
